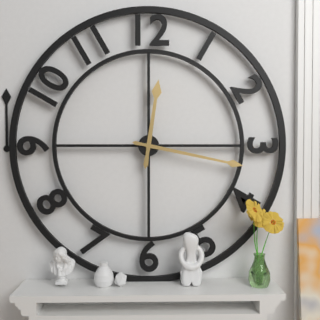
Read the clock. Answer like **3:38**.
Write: **12:17**
